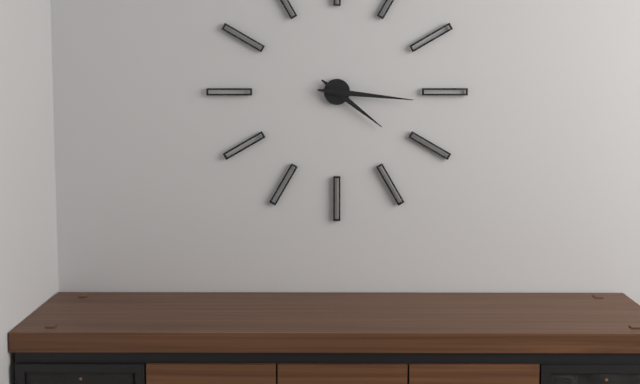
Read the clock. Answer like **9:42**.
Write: **4:16**
